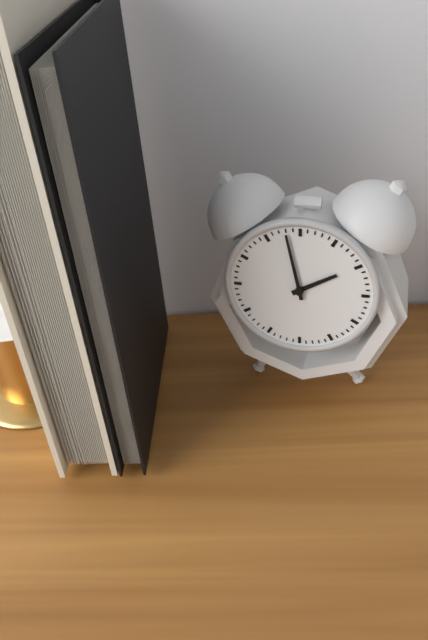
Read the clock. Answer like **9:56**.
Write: **1:58**
